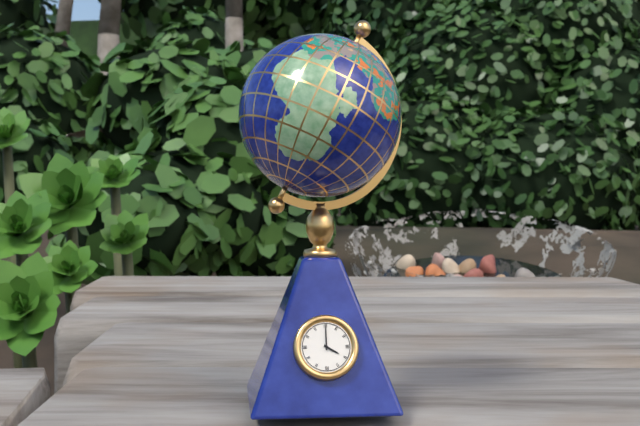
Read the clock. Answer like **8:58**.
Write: **4:00**
